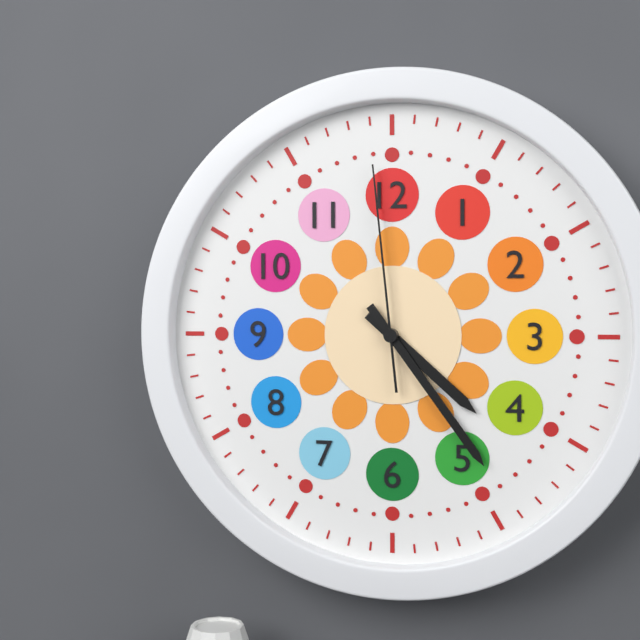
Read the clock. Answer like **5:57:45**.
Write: **4:24:59**
